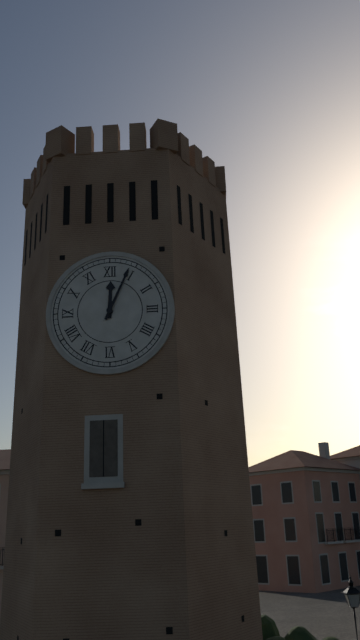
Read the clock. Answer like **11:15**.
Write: **12:04**
